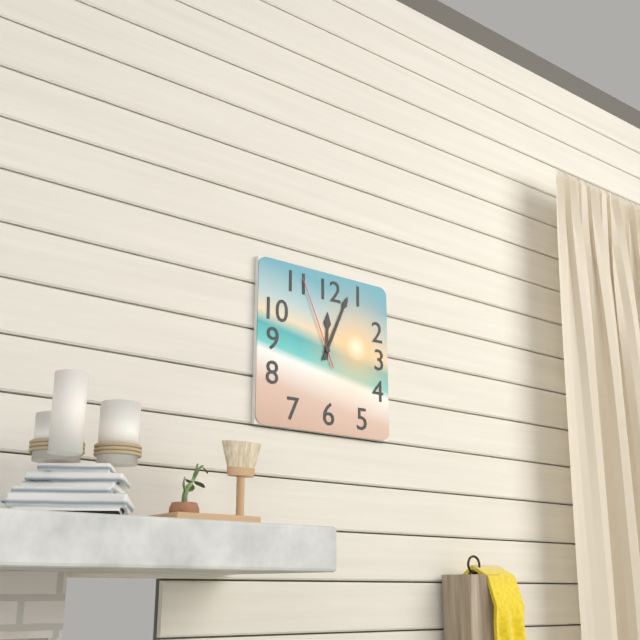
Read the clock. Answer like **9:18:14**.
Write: **12:04:56**
